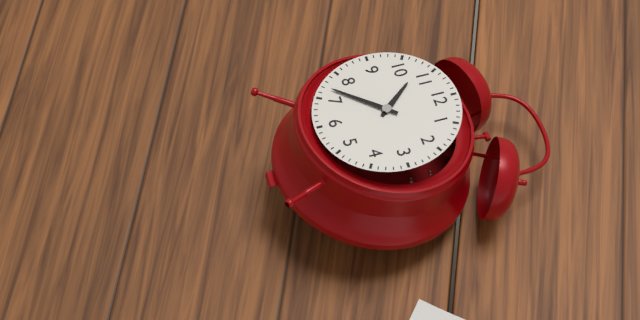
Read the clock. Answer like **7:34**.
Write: **10:37**
